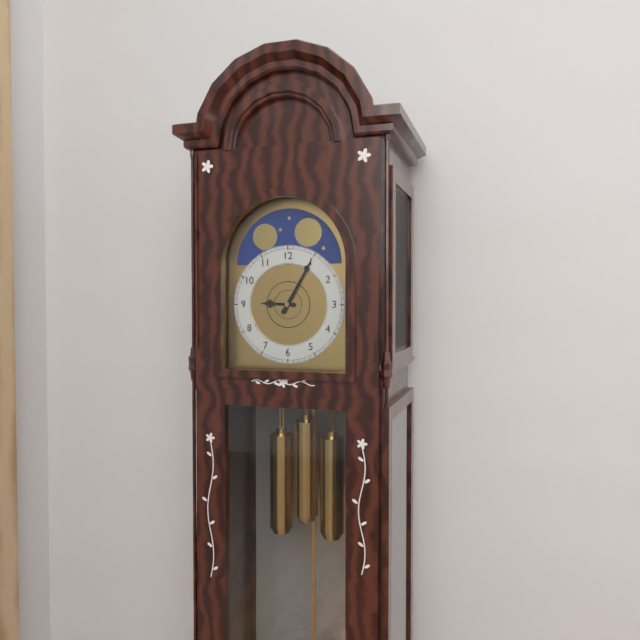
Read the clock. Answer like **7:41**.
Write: **9:05**
